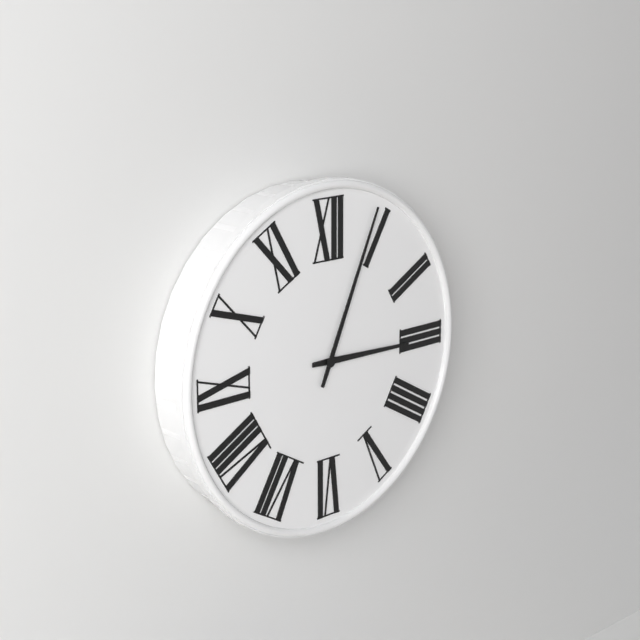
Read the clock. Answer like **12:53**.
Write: **3:04**
